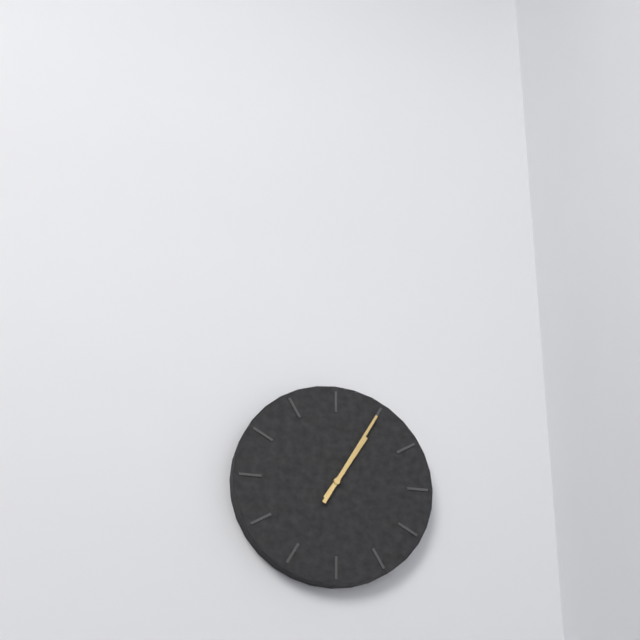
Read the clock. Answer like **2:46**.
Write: **1:05**
